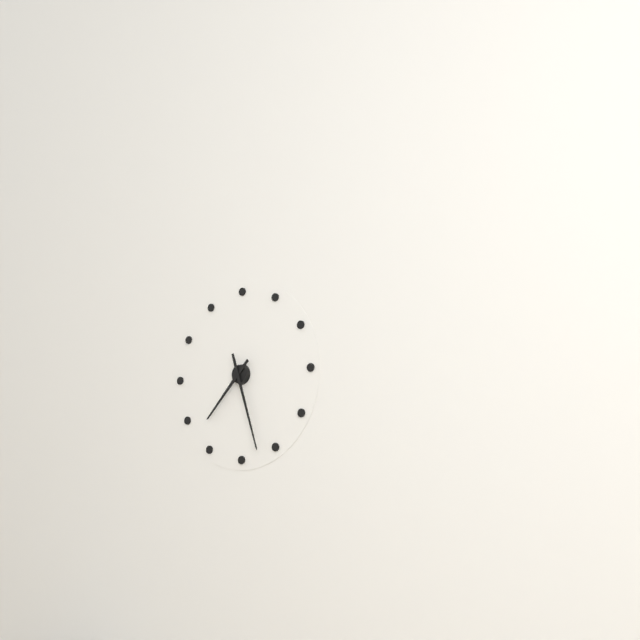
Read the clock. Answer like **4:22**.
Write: **7:27**
